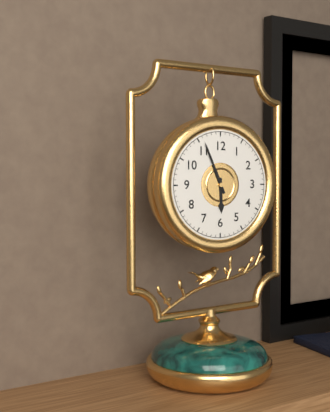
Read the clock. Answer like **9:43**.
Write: **5:56**
